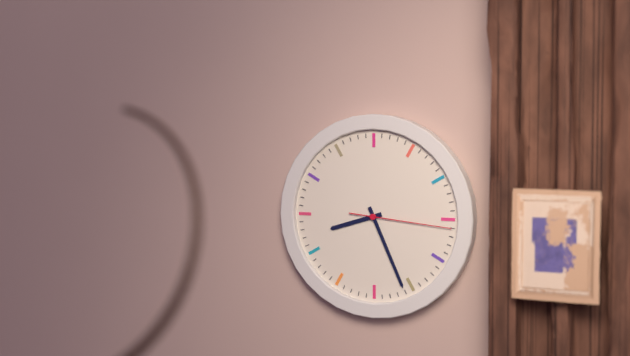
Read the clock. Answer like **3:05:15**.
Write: **8:26:16**
